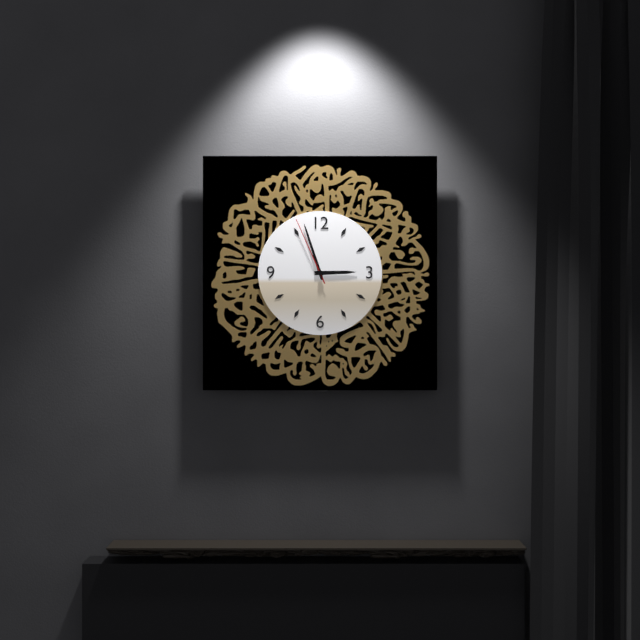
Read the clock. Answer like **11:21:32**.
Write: **2:57:56**
